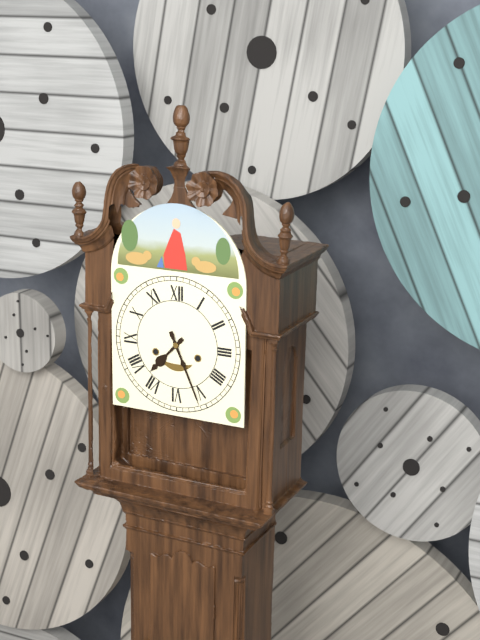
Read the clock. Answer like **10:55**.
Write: **7:26**
